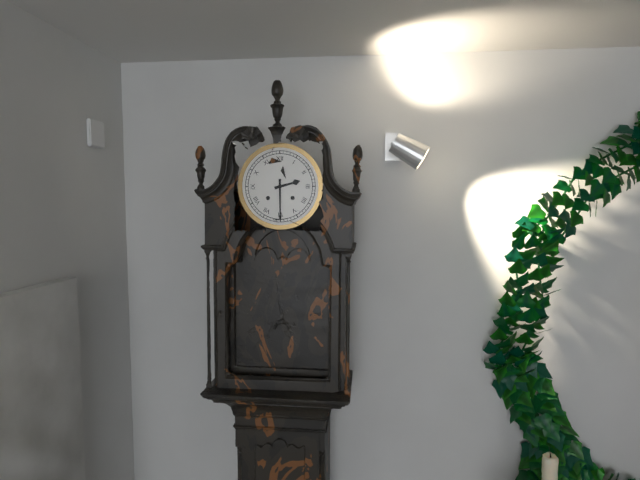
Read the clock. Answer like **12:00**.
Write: **2:30**
